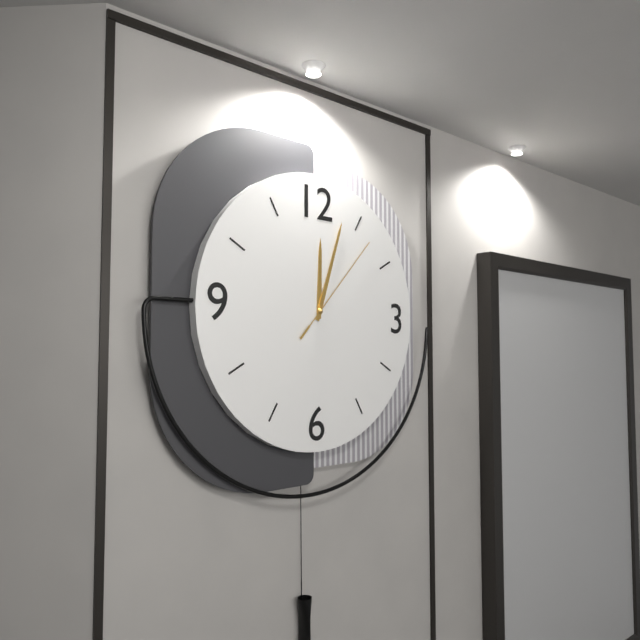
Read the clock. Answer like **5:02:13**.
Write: **12:03:07**
